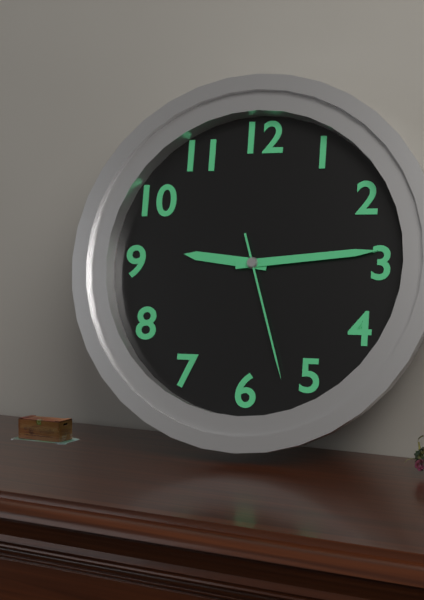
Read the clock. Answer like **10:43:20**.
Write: **9:14:27**
